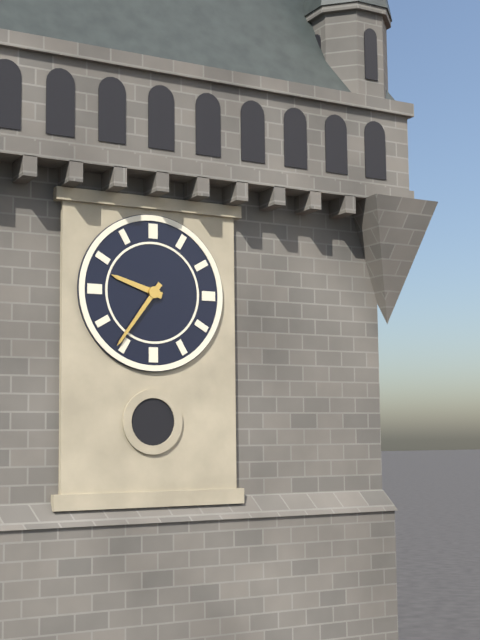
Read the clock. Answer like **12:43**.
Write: **9:36**
